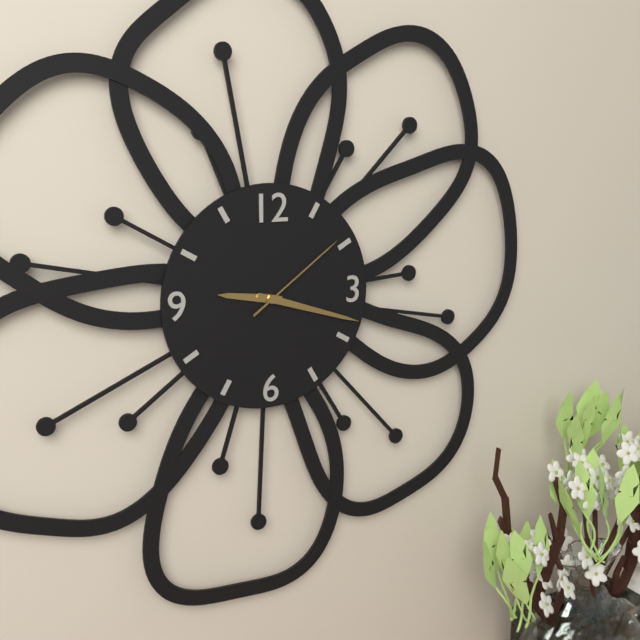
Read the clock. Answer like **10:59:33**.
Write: **9:18:09**
